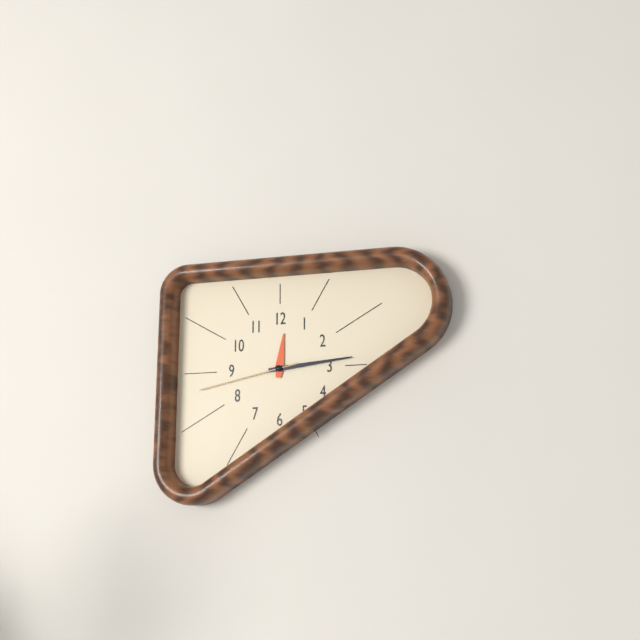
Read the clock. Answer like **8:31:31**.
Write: **12:14:43**
